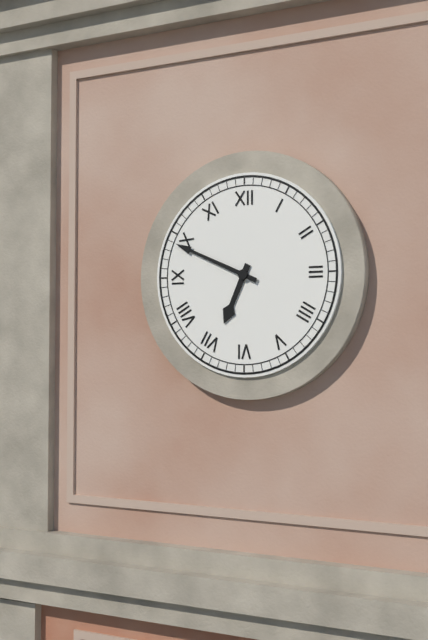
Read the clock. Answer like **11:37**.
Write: **6:49**
